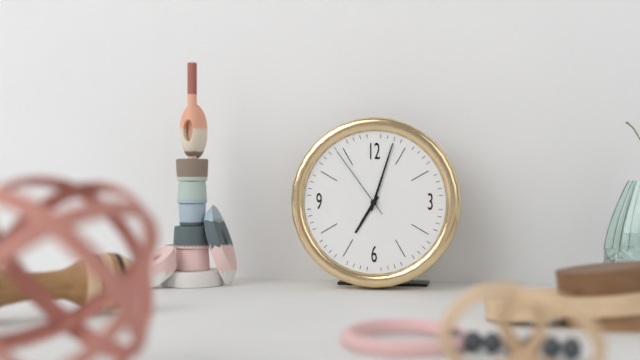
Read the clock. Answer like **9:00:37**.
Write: **7:03:54**
